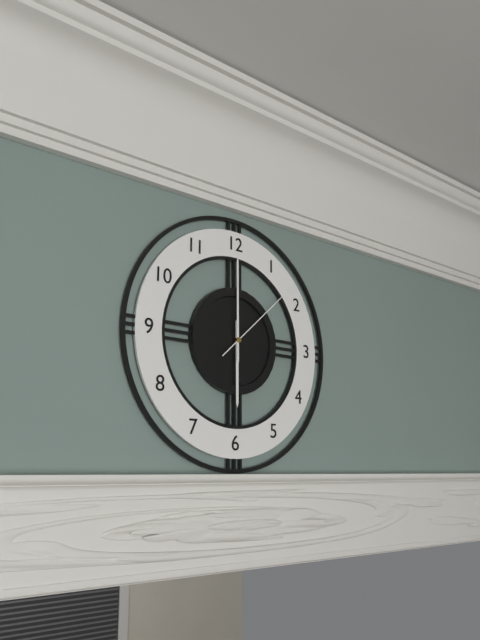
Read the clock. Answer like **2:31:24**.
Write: **6:00:08**
